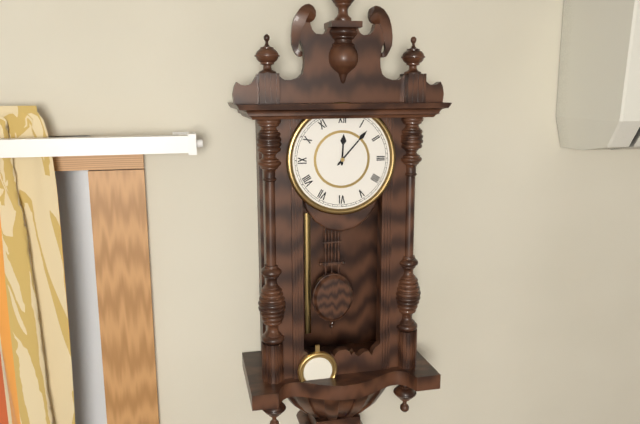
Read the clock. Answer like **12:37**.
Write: **12:07**
